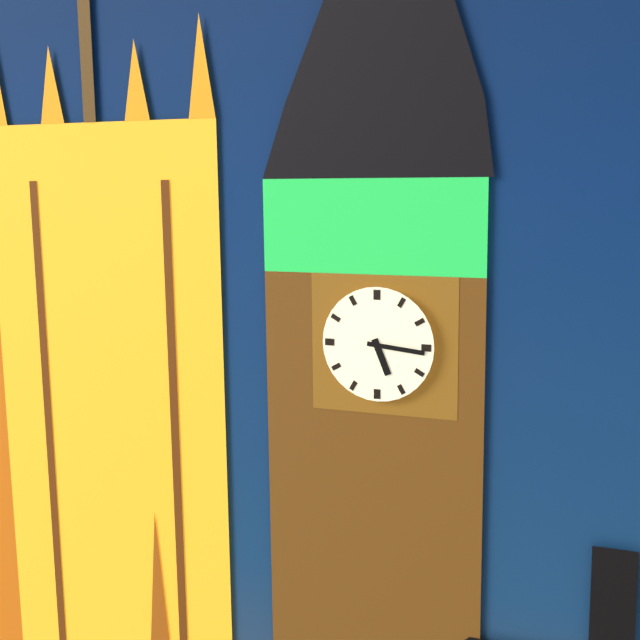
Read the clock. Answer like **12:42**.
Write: **5:16**
